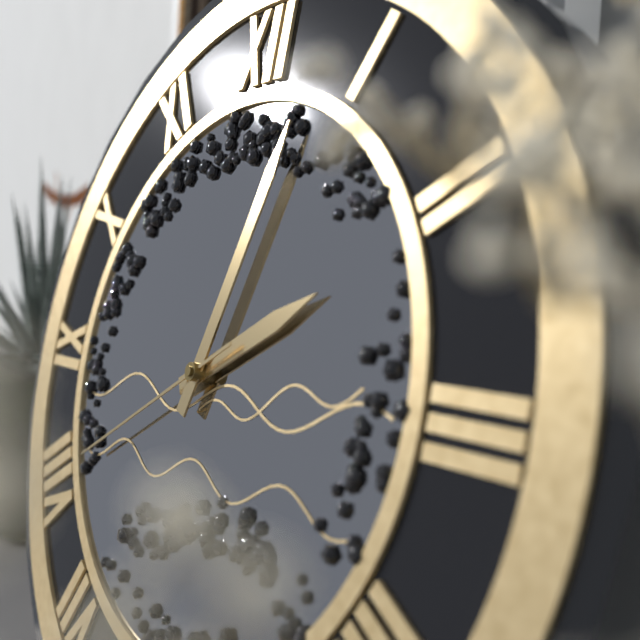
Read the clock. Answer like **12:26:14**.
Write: **2:03:40**
